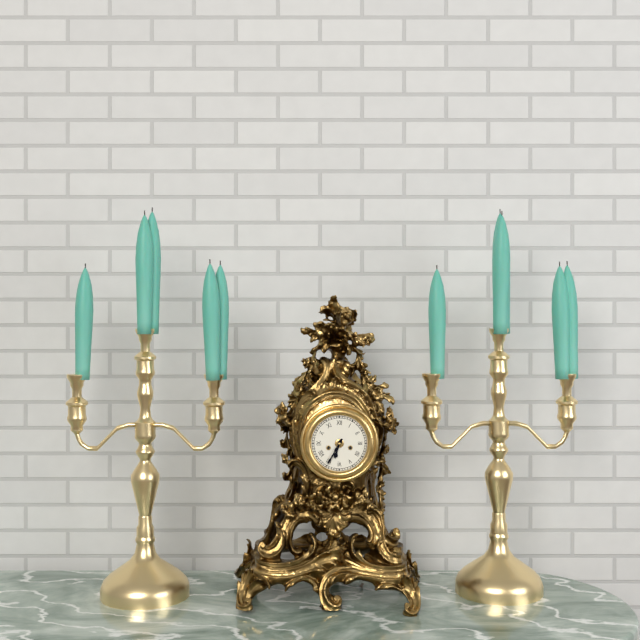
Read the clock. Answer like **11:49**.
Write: **6:35**
